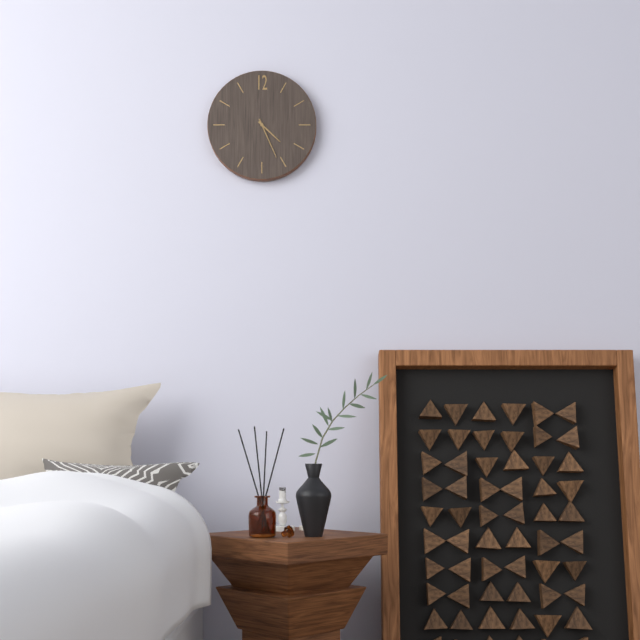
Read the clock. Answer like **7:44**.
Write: **4:26**
